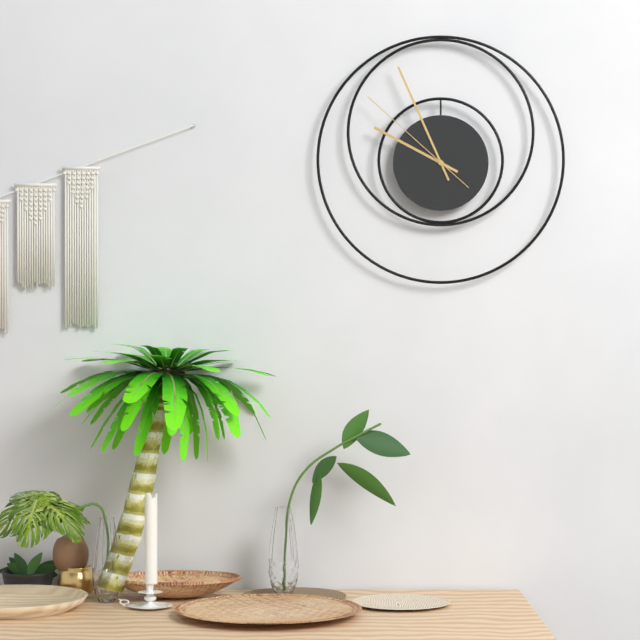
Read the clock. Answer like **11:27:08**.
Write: **9:56:52**
